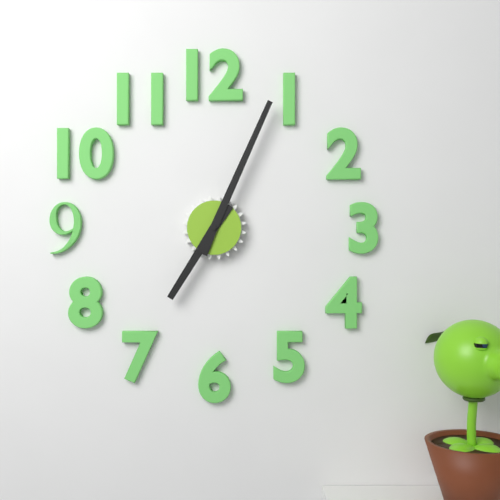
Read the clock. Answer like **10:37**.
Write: **7:04**
